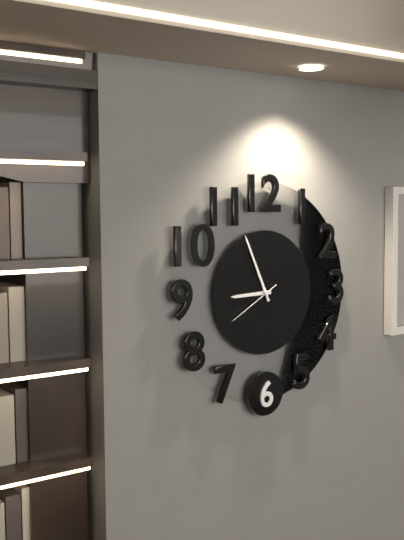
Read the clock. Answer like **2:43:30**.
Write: **8:56:40**
